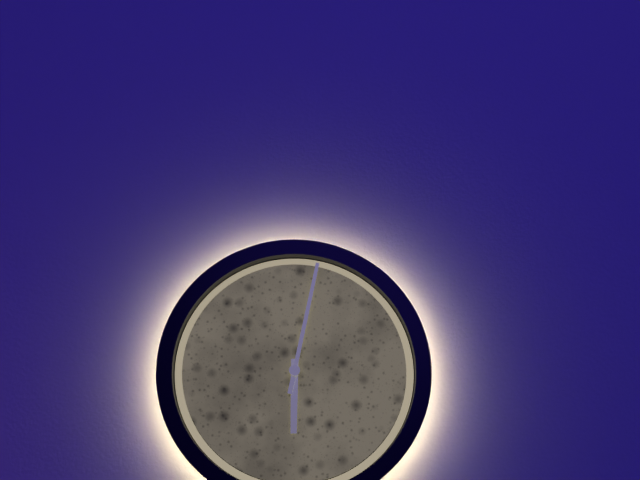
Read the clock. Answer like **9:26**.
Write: **6:02**
